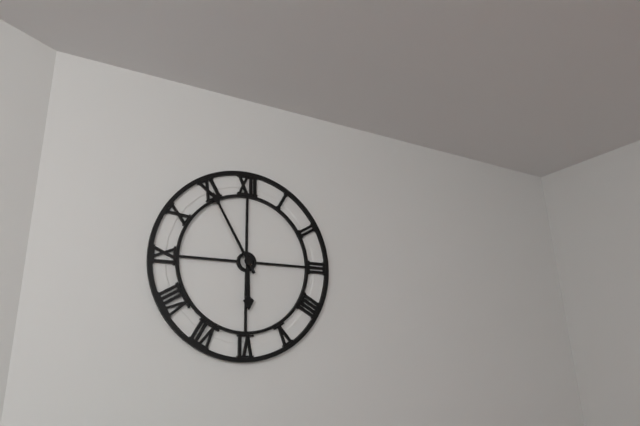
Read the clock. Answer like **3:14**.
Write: **5:55**
